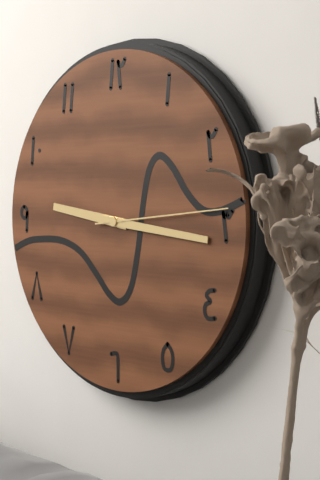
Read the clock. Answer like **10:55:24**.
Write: **9:16:14**
